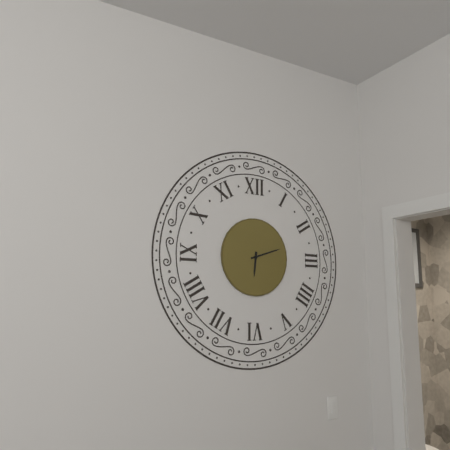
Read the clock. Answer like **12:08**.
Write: **6:12**
